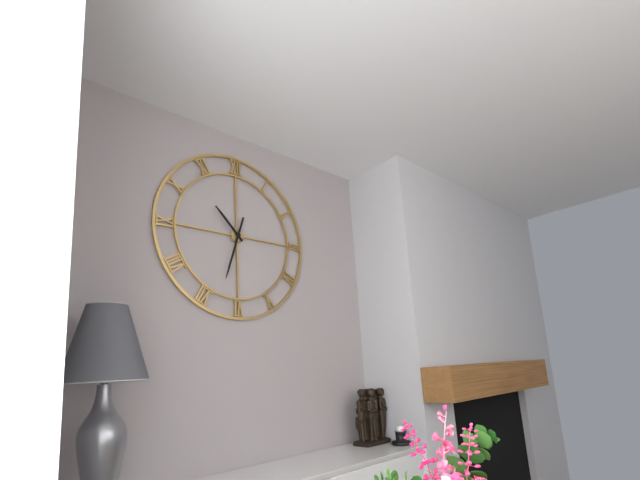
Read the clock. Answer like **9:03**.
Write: **10:33**
